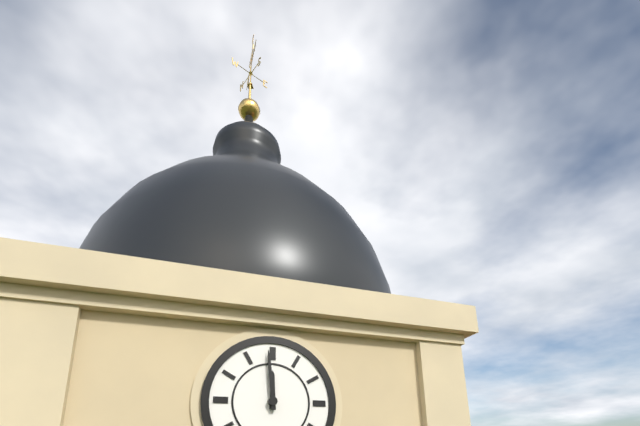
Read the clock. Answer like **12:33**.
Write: **11:59**
